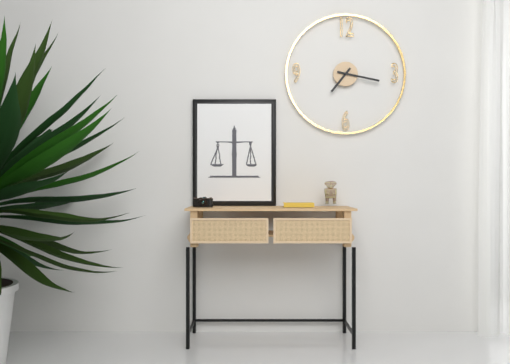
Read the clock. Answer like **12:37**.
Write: **7:17**
